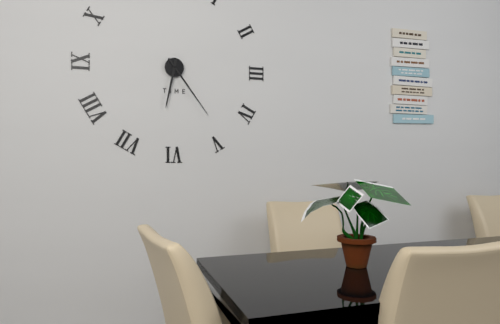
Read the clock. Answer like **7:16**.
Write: **6:24**
